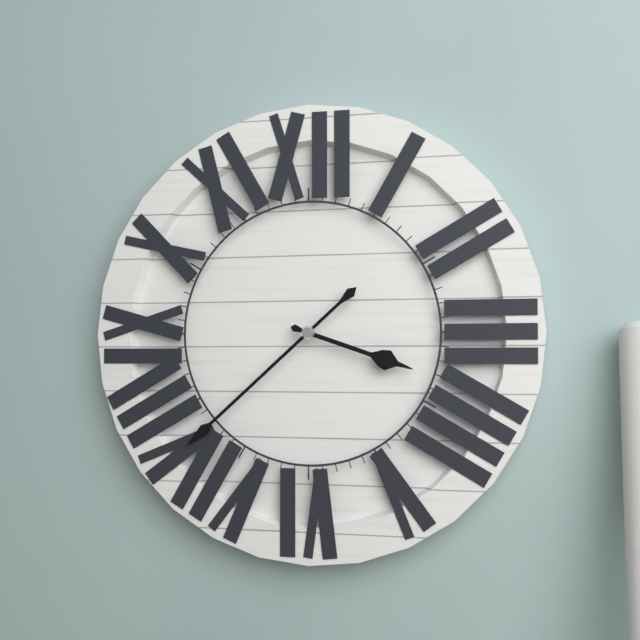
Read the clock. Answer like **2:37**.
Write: **3:38**
